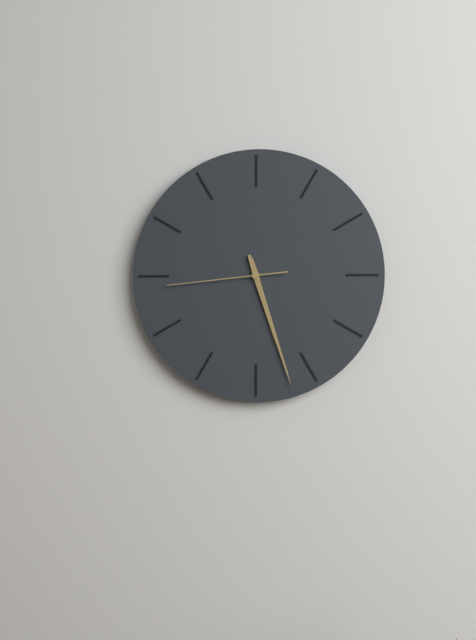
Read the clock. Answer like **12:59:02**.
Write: **5:27:44**
